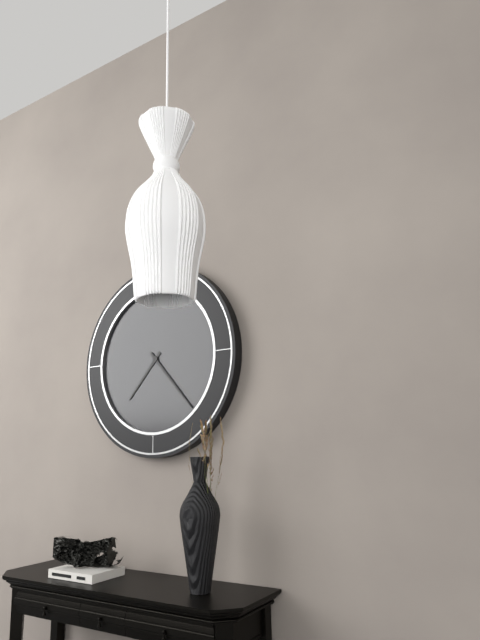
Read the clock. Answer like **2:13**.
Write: **7:23**
